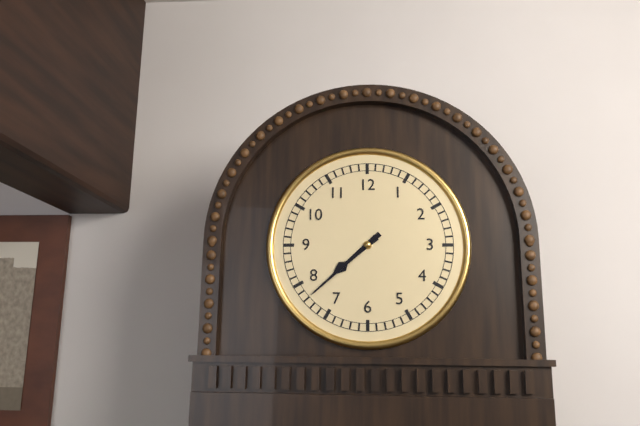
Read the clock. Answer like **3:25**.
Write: **7:38**
